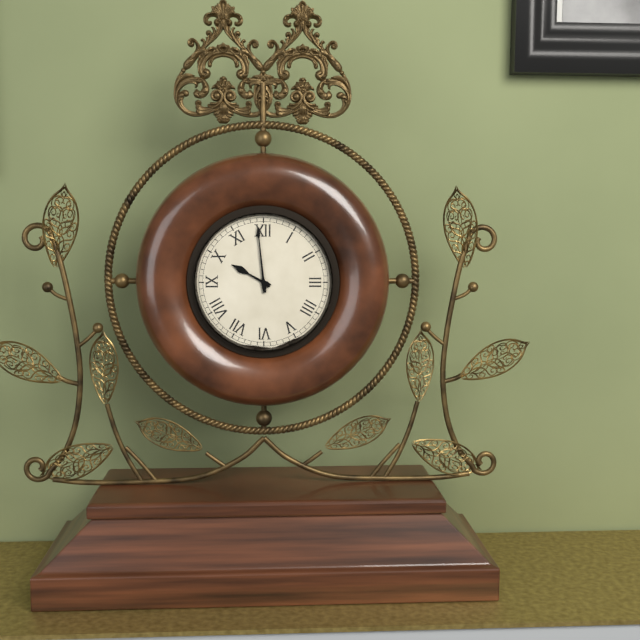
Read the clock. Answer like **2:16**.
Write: **9:59**
